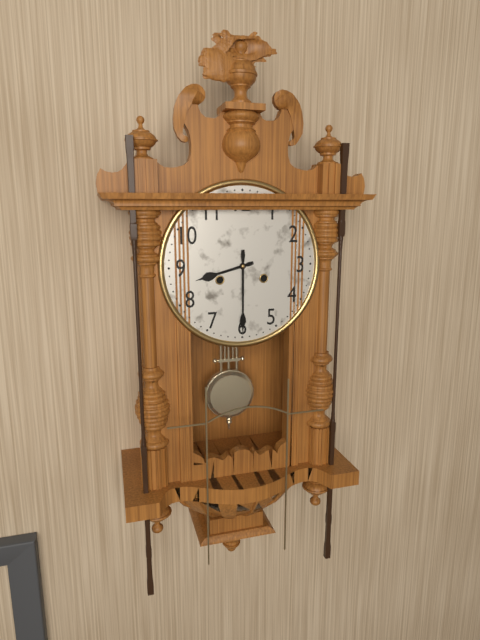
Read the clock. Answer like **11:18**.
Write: **8:30**
